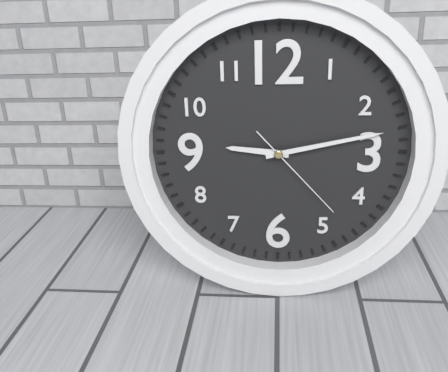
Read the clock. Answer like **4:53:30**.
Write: **9:13:23**
